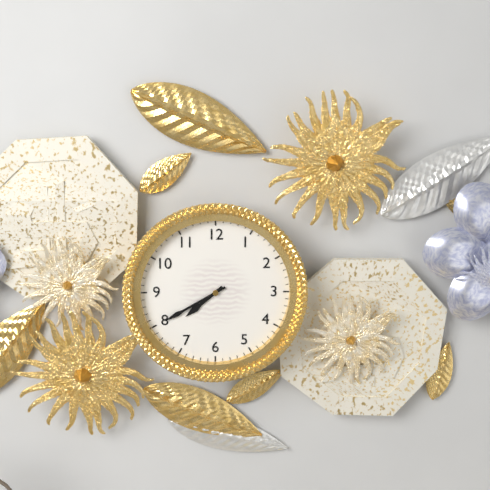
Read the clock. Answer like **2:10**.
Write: **7:40**
